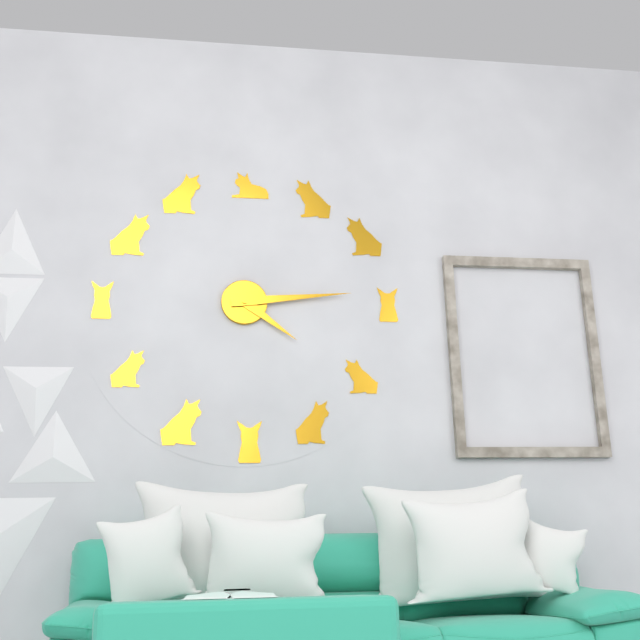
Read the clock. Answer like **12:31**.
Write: **4:14**
